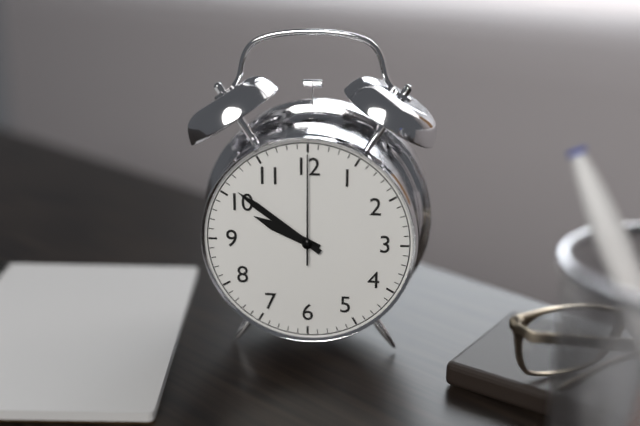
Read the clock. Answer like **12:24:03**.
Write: **9:51:00**
